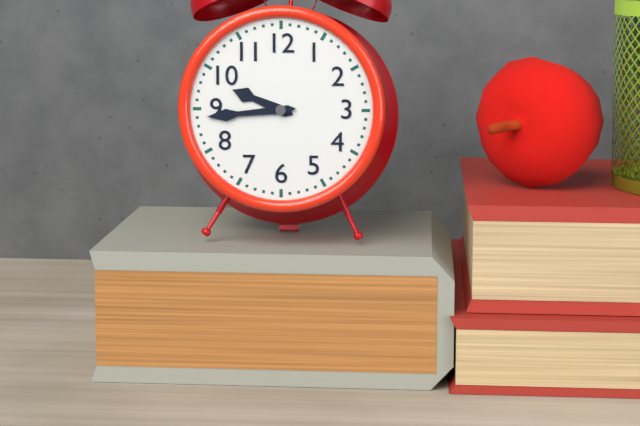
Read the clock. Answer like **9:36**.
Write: **9:44**
